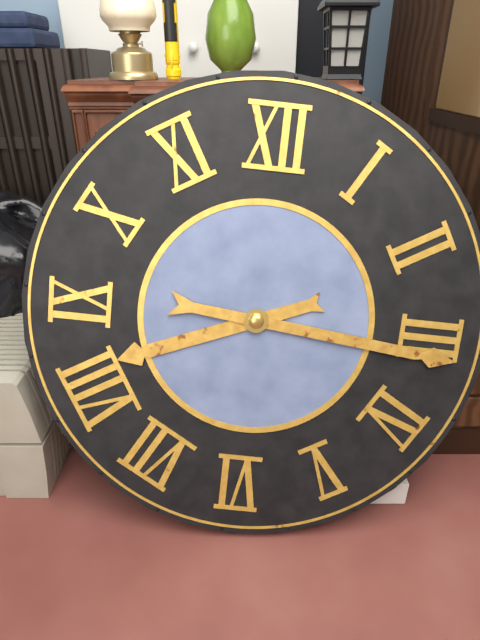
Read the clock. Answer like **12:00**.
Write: **8:16**
